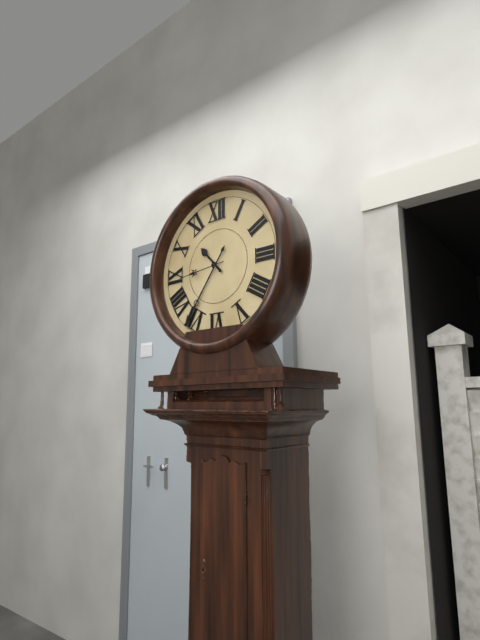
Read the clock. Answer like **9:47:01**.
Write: **10:36:44**
